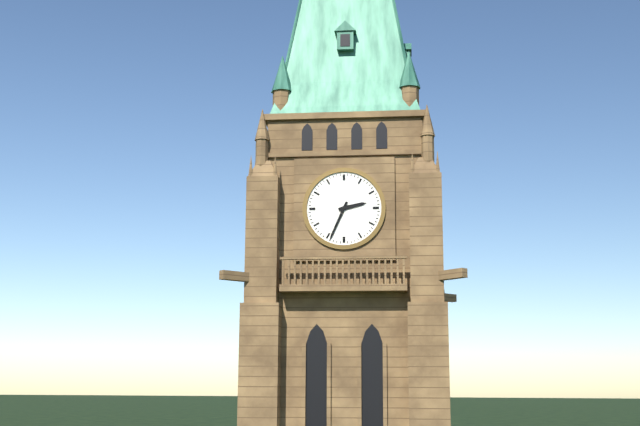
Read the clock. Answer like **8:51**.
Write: **2:34**
